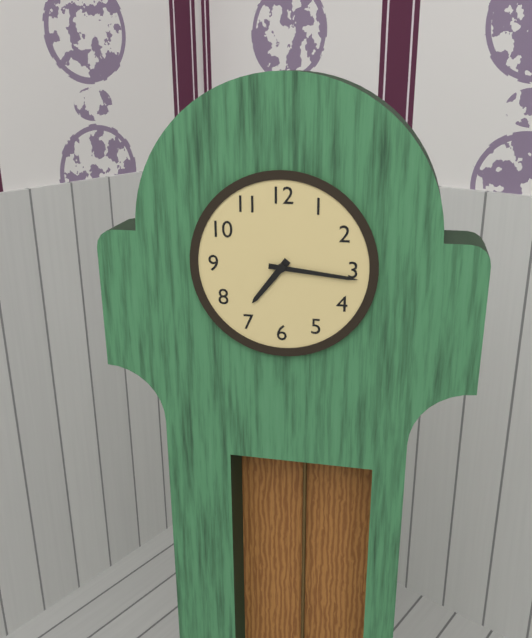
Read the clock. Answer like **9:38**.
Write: **7:16**
